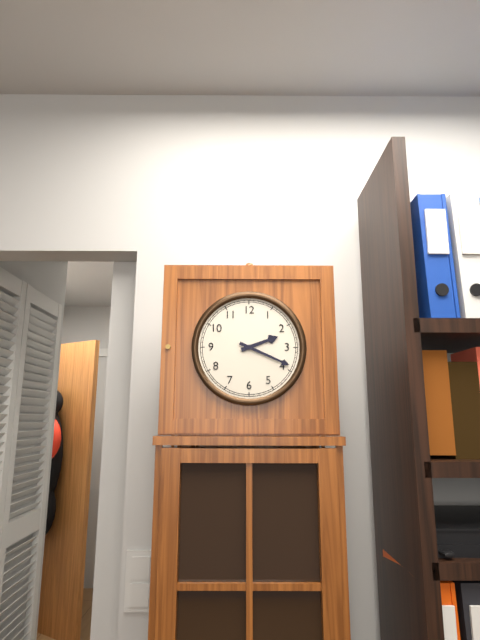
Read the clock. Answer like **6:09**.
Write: **2:19**
